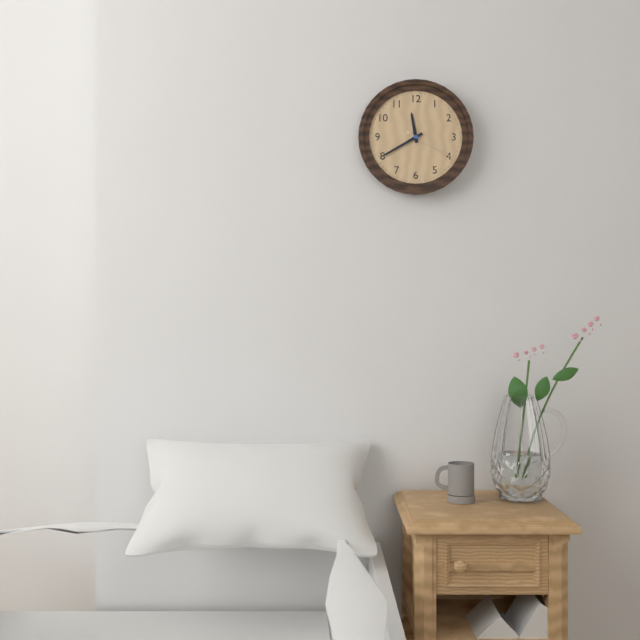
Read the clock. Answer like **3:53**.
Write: **11:40**
